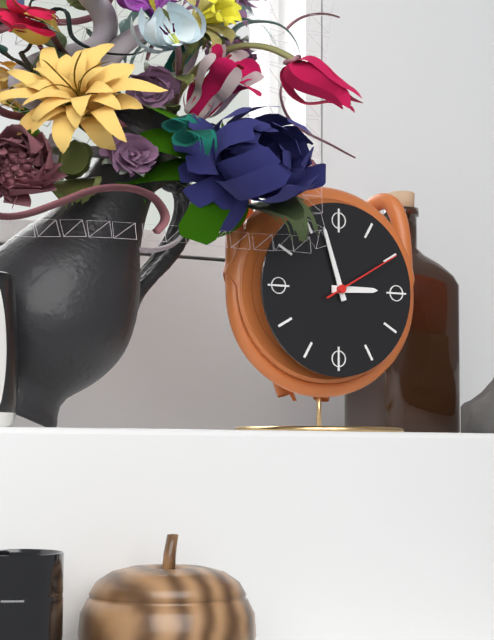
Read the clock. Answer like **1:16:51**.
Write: **2:57:10**
